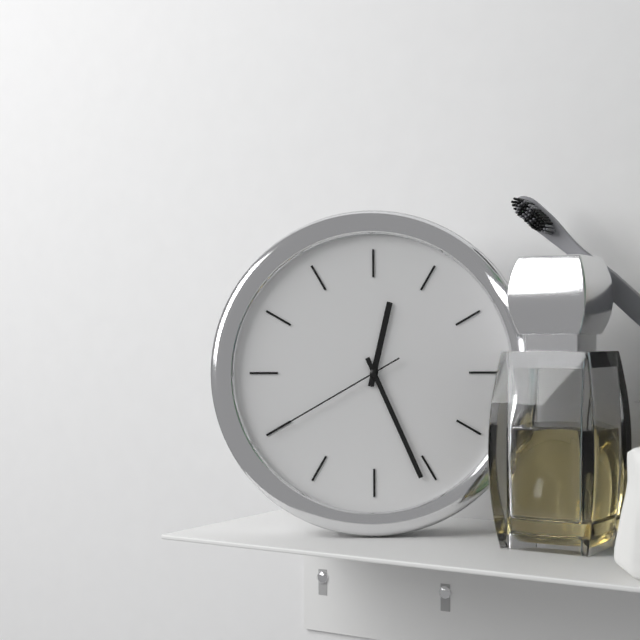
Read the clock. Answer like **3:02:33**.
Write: **12:26:40**
